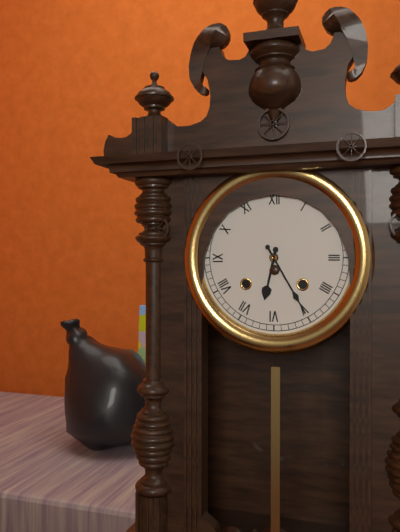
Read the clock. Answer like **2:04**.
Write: **6:25**
